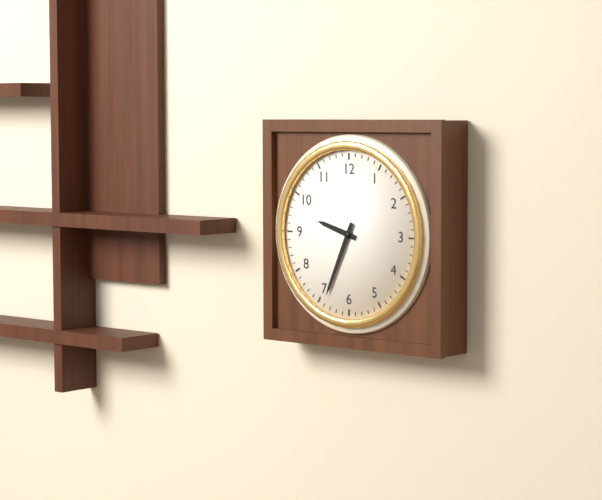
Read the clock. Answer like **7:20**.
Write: **9:34**
